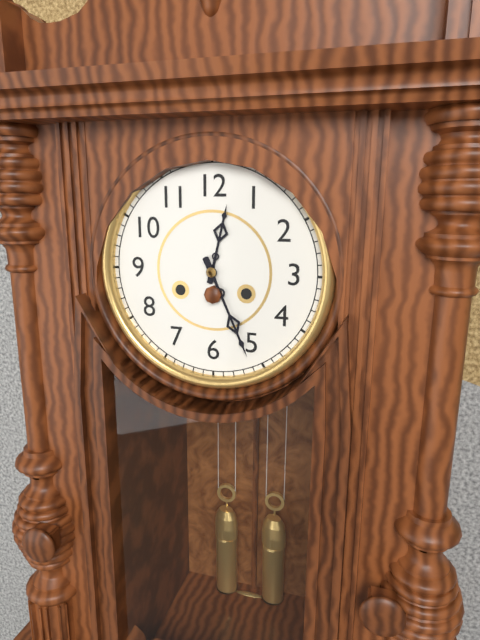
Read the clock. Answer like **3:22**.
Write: **12:26**
